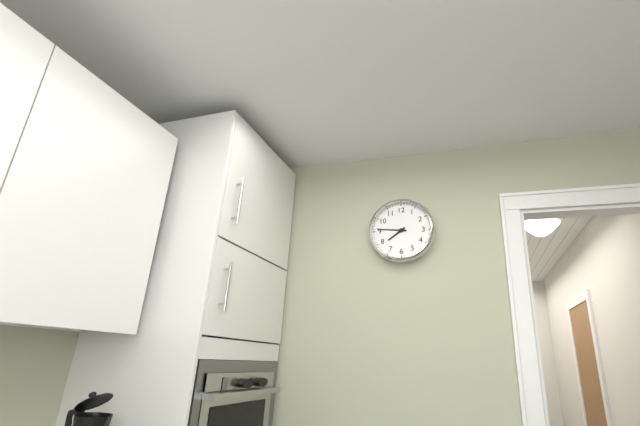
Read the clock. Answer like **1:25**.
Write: **7:46**
